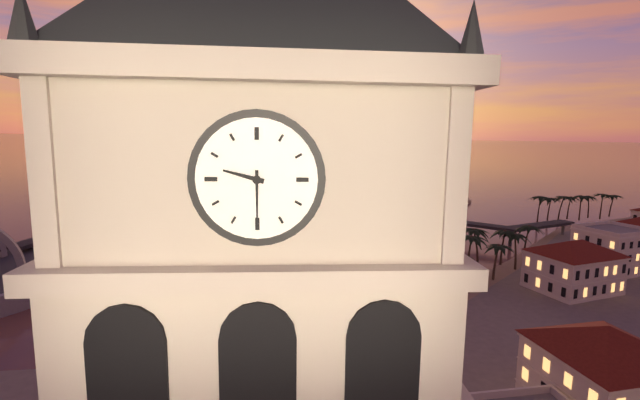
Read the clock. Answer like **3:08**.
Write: **9:30**
